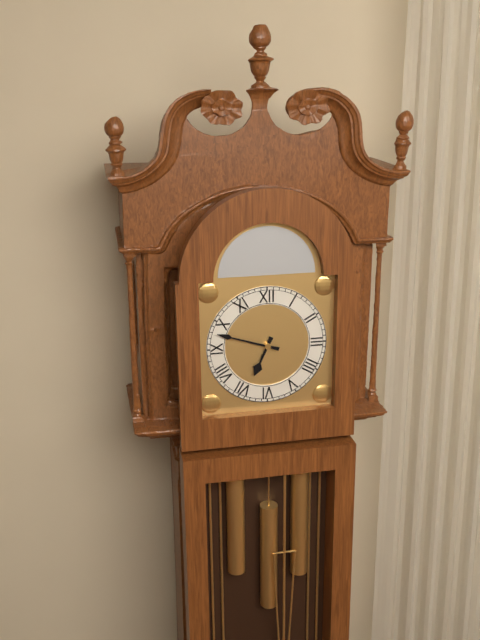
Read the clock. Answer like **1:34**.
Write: **6:48**
